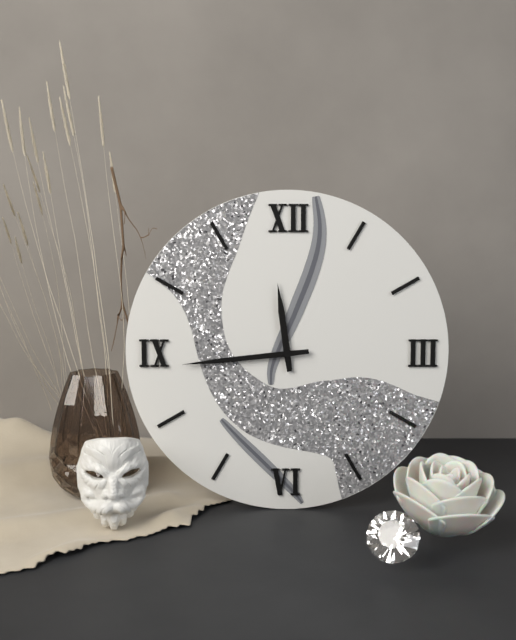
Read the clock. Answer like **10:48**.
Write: **11:44**
